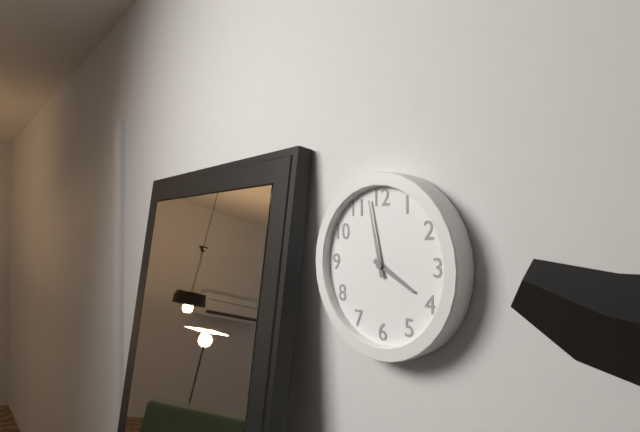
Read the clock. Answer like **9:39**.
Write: **3:58**
